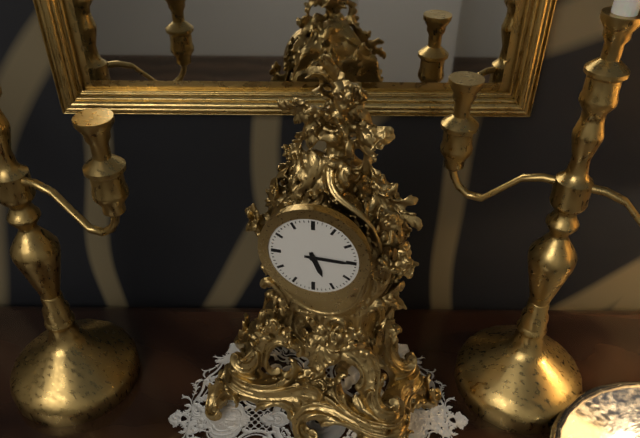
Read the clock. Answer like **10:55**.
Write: **5:15**
